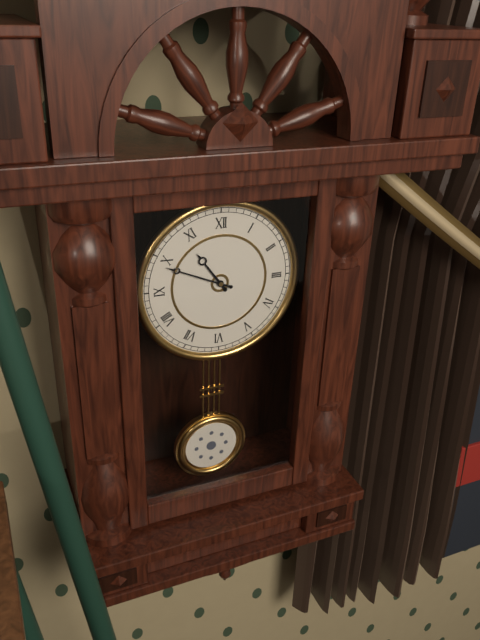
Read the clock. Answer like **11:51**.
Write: **10:49**
